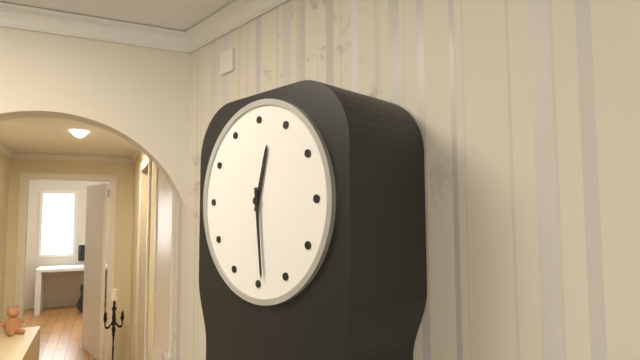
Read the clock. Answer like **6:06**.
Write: **12:29**
